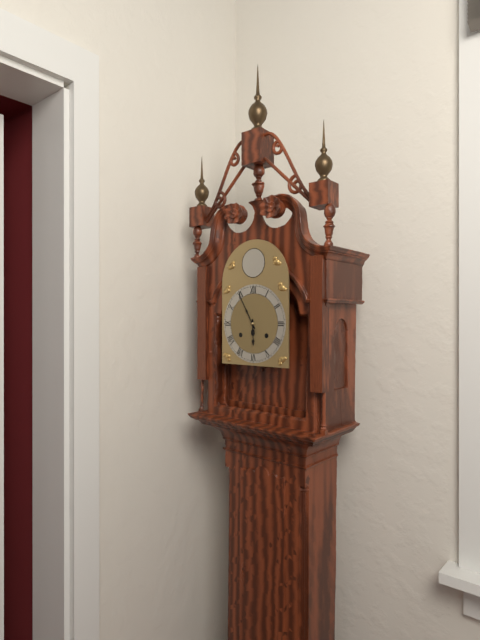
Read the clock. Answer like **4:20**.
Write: **5:55**
